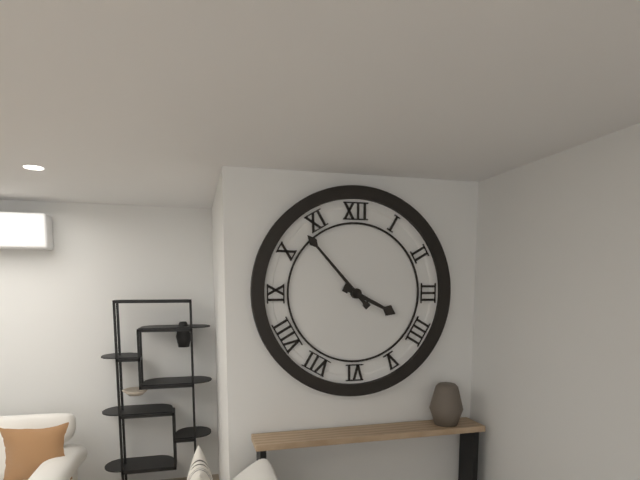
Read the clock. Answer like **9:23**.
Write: **3:53**
